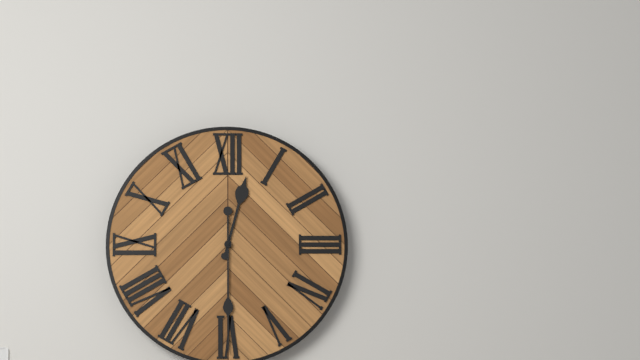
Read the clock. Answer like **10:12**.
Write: **12:30**
